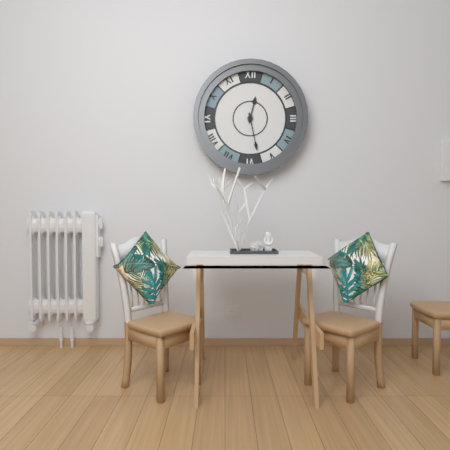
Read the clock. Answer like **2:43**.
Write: **12:28**
